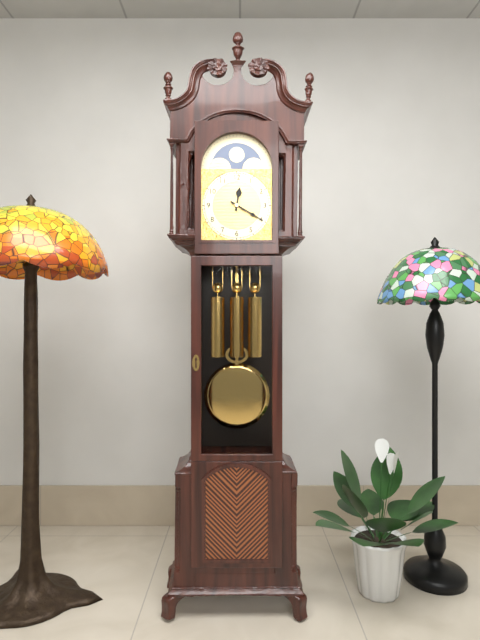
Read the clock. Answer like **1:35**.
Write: **12:20**
